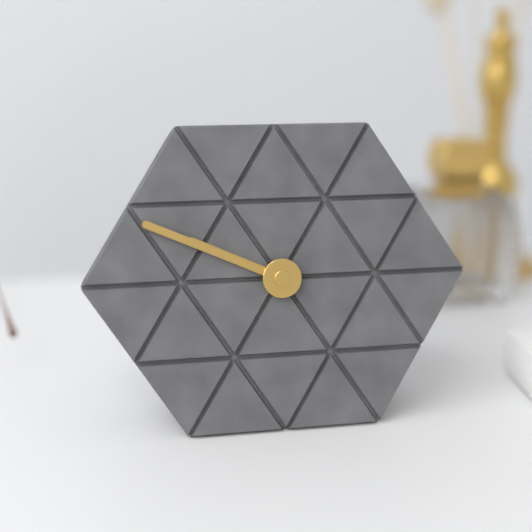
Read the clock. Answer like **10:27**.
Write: **9:49**
